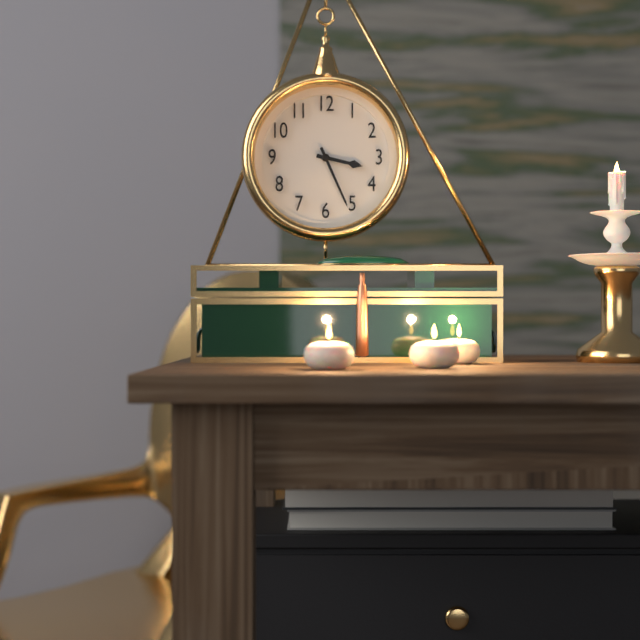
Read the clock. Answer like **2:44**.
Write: **3:26**
